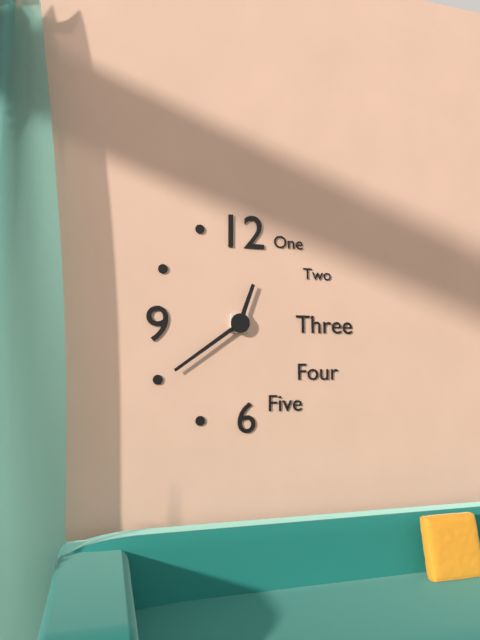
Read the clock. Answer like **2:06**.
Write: **12:39**
